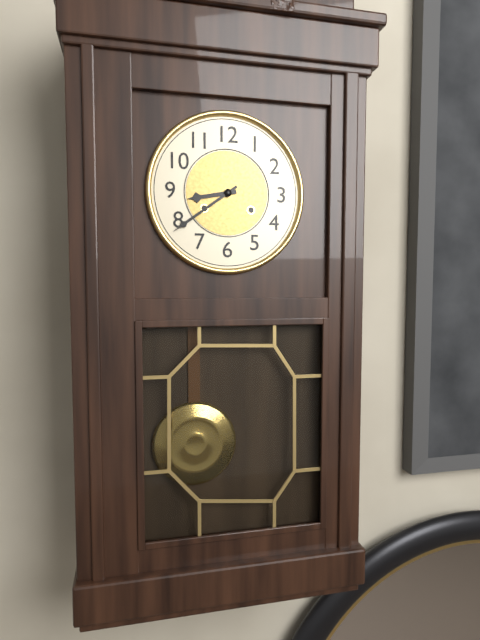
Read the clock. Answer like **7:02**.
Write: **8:39**
